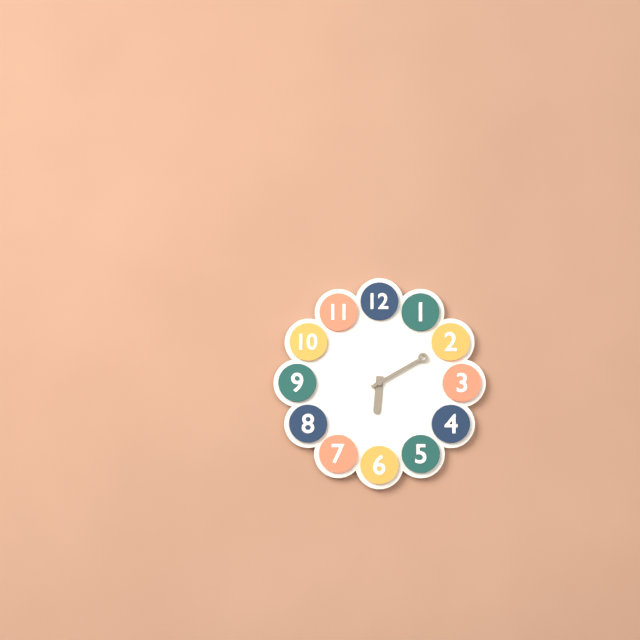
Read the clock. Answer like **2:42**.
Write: **6:10**
